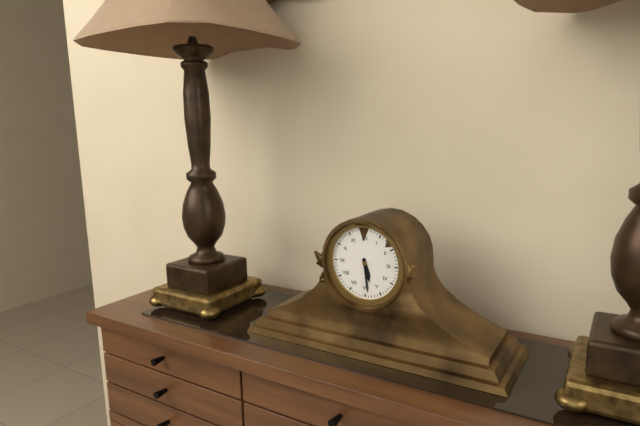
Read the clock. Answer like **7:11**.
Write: **5:29**
